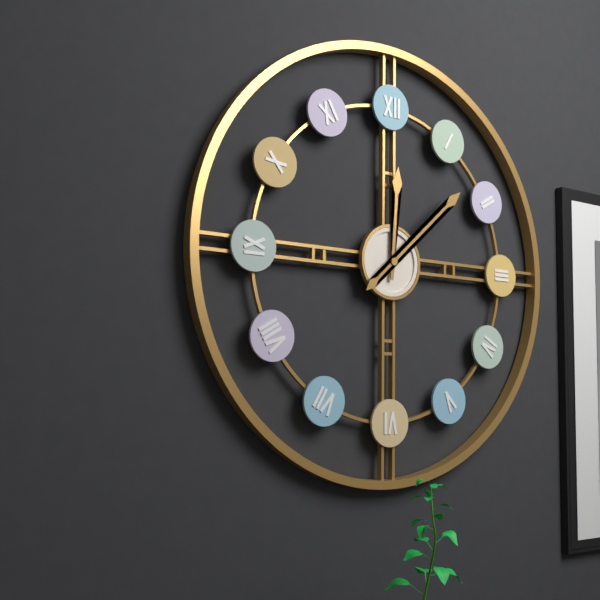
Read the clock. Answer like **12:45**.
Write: **12:08**
